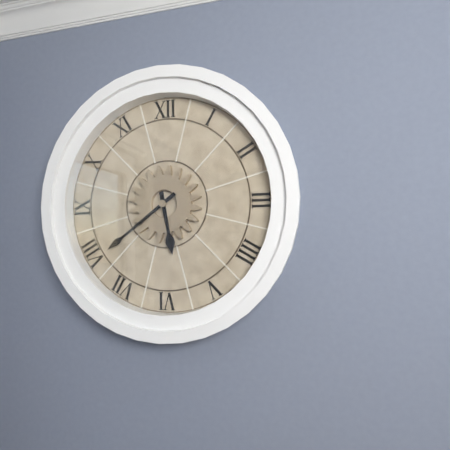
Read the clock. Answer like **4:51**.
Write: **5:39**
